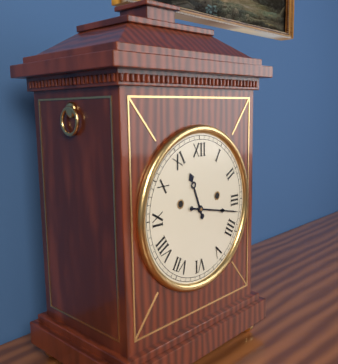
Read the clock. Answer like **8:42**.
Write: **11:17**
